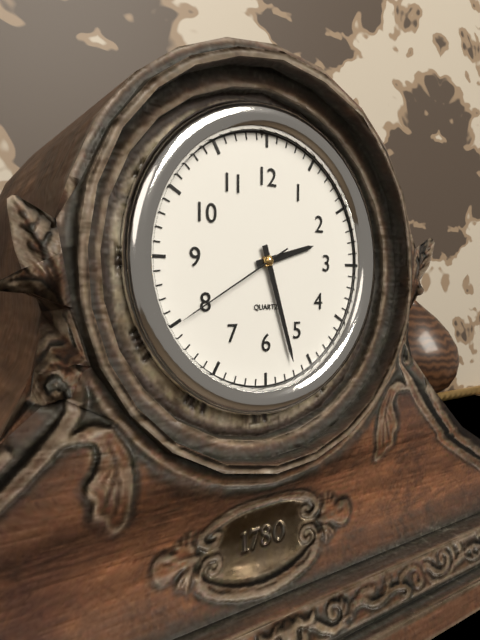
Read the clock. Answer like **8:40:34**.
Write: **2:27:40**
